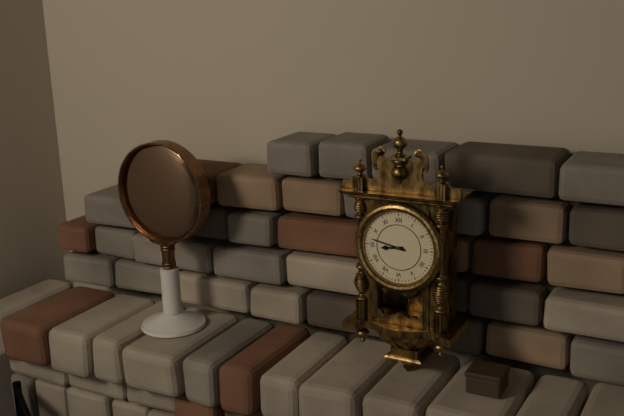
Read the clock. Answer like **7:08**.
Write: **8:47**
